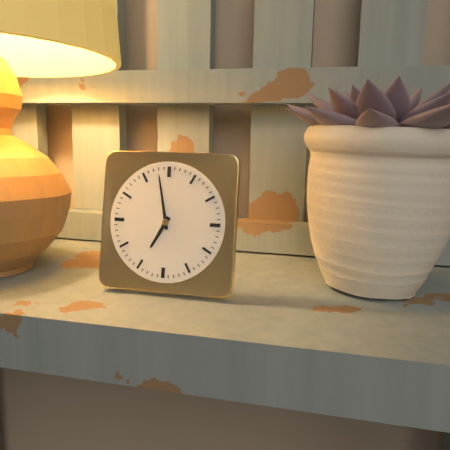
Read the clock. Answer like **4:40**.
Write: **6:58**
